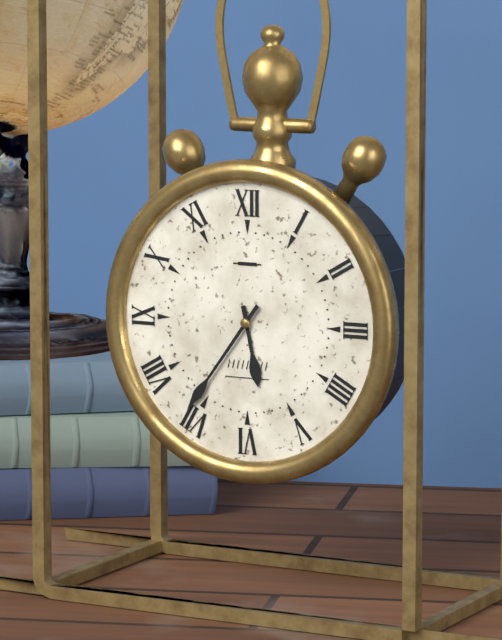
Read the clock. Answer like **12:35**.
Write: **5:36**
